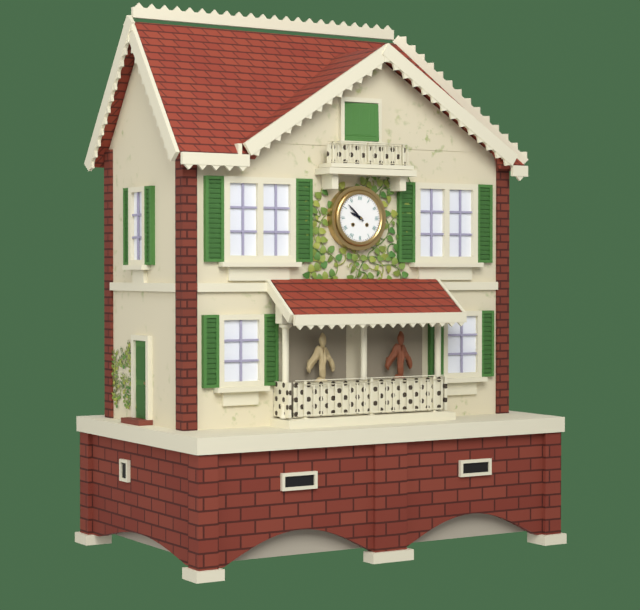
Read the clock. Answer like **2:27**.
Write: **9:52**
